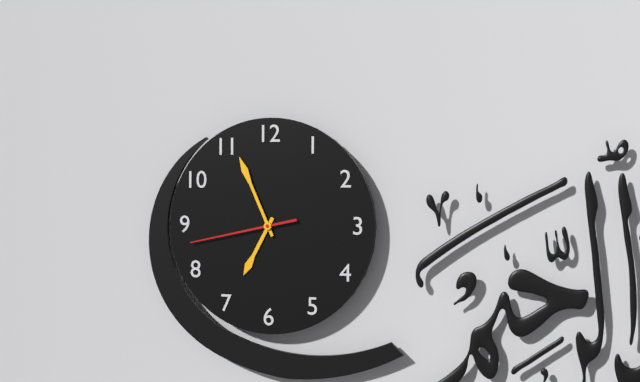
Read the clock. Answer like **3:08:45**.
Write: **6:56:43**
